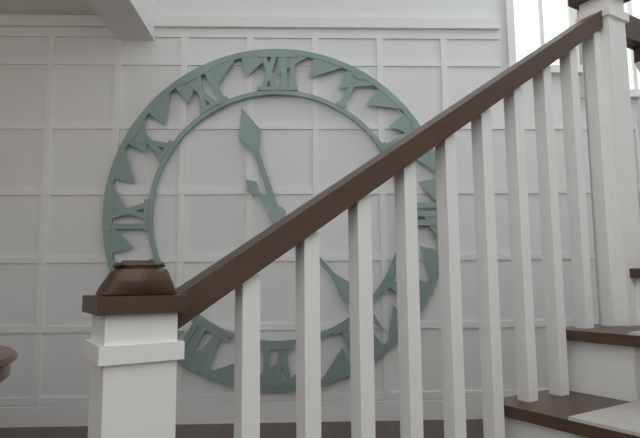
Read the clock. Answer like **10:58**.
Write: **11:23**
